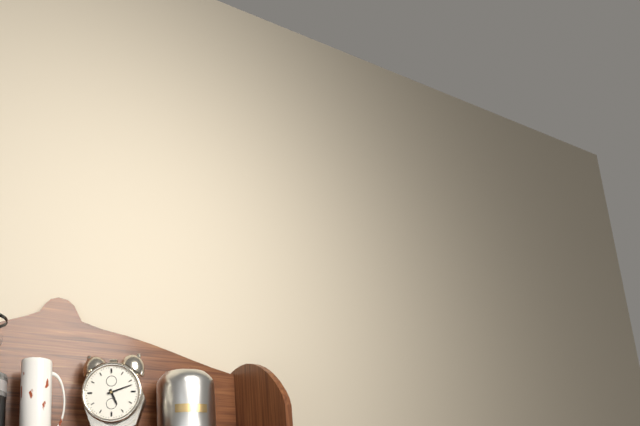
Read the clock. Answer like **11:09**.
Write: **5:12**
